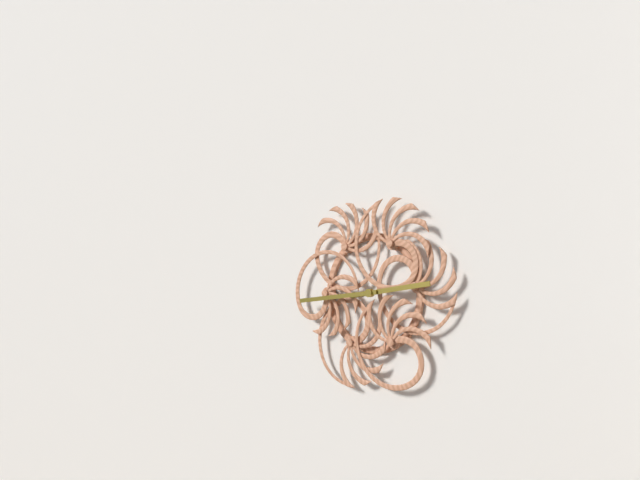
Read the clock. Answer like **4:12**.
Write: **2:44**
